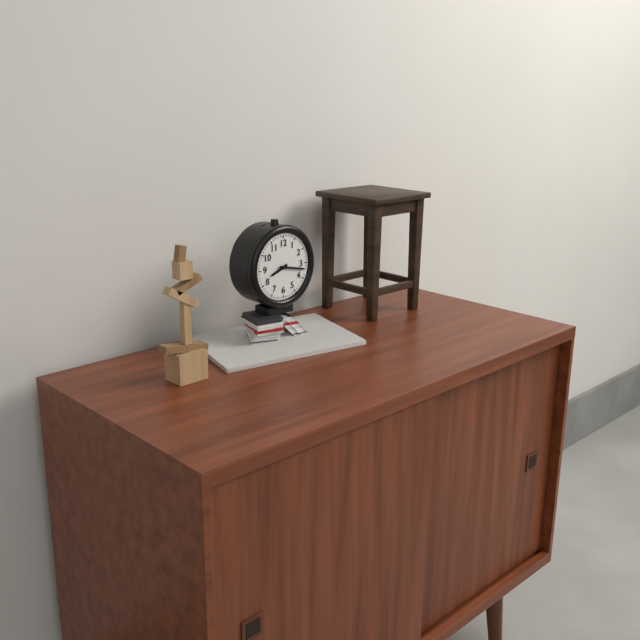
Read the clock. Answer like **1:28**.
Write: **8:17**
